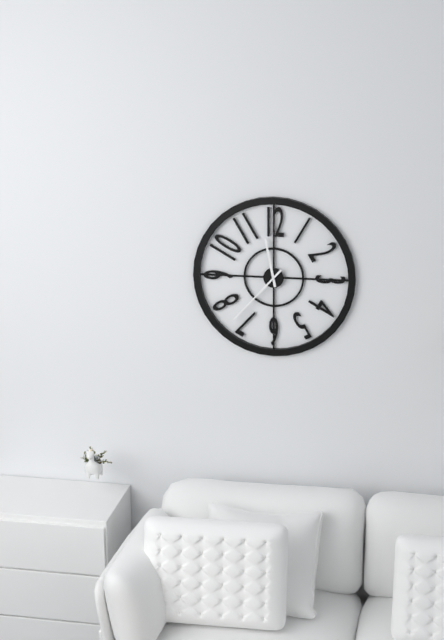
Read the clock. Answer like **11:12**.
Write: **11:37**
